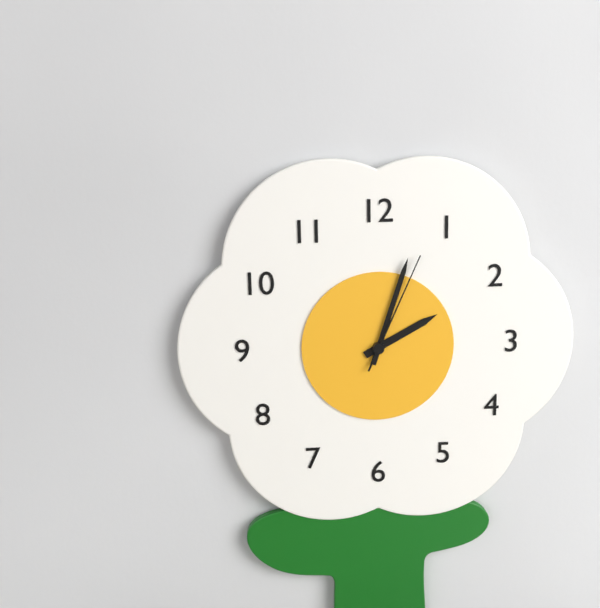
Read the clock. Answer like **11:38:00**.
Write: **2:03:04**
